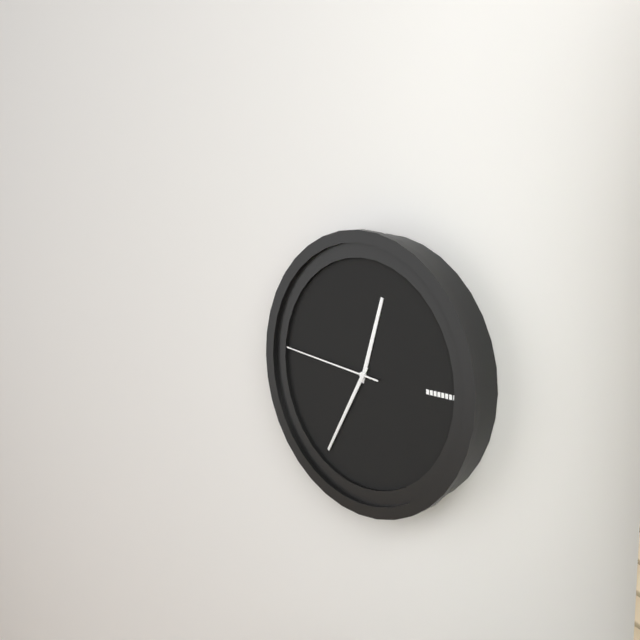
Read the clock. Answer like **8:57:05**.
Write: **12:35:46**
